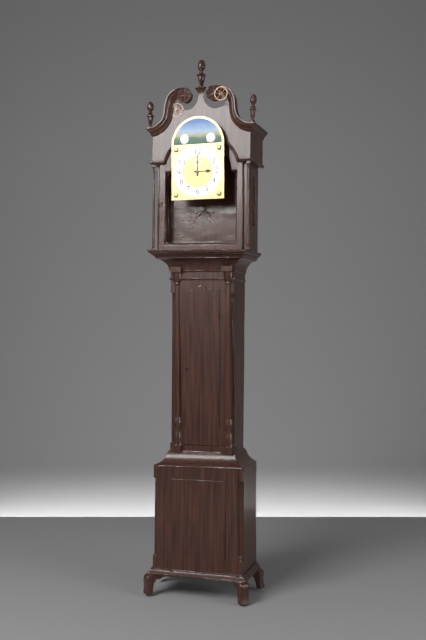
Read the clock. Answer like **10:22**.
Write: **3:00**
